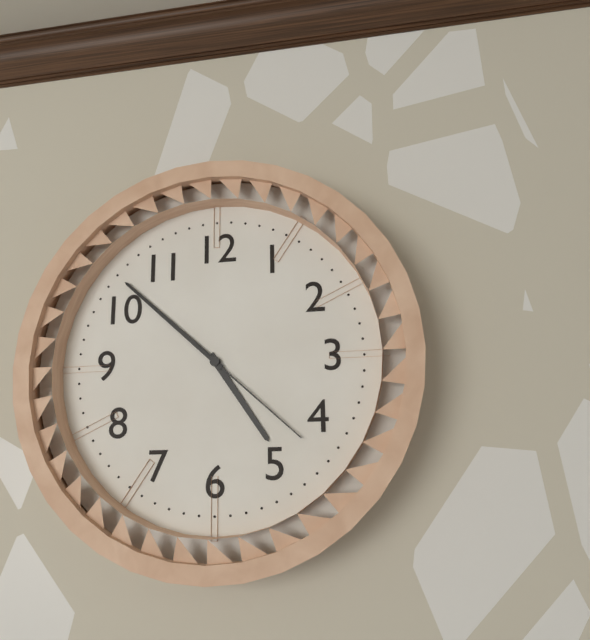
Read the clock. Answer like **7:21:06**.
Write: **4:52:22**
